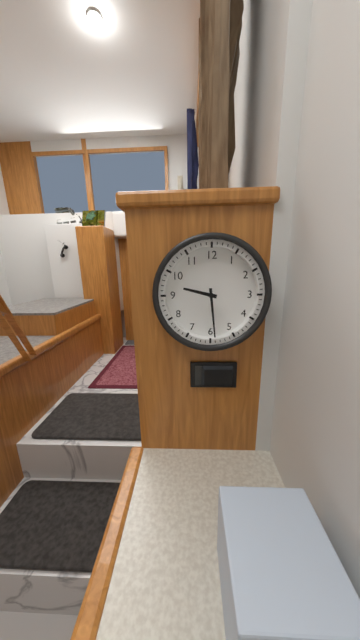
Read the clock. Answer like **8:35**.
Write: **9:29**
